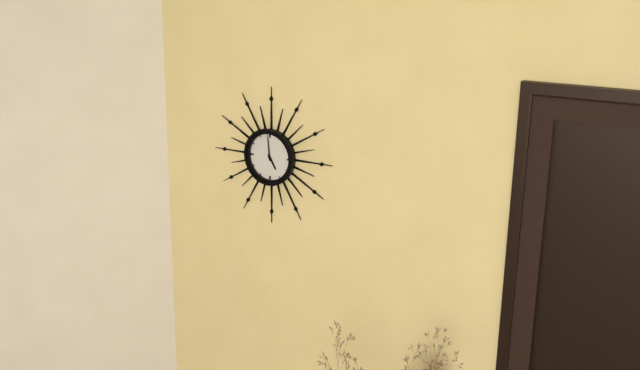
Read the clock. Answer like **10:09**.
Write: **4:59**
